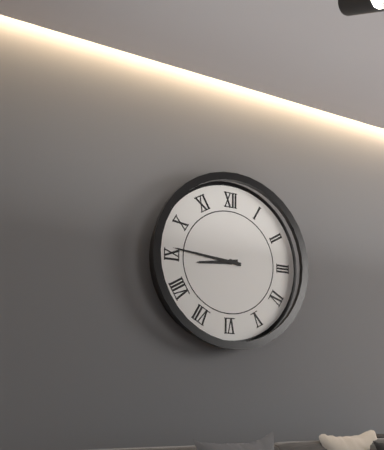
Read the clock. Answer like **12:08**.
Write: **8:46**
